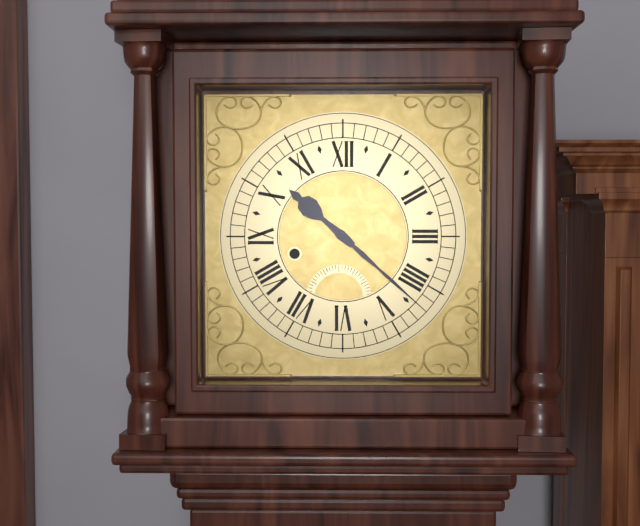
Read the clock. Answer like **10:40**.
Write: **10:22**
